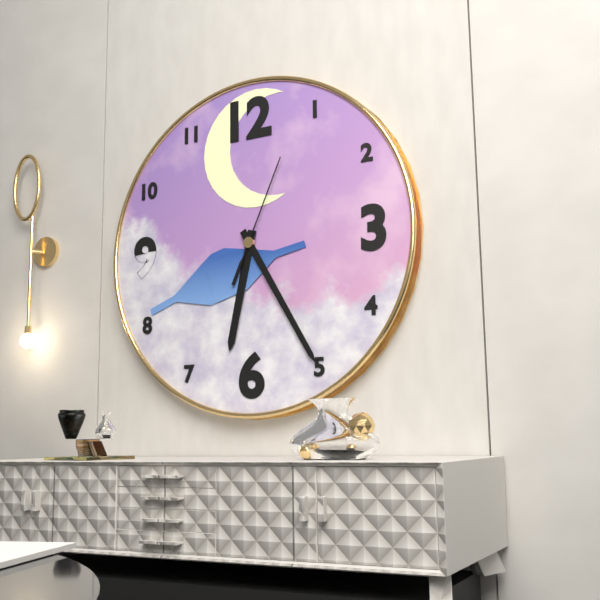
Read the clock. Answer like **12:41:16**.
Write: **6:25:04**
